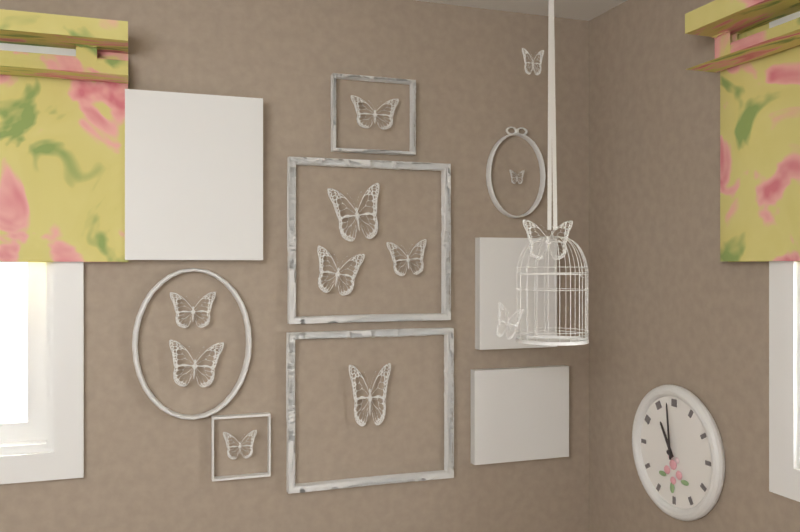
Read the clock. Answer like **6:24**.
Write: **10:59**
